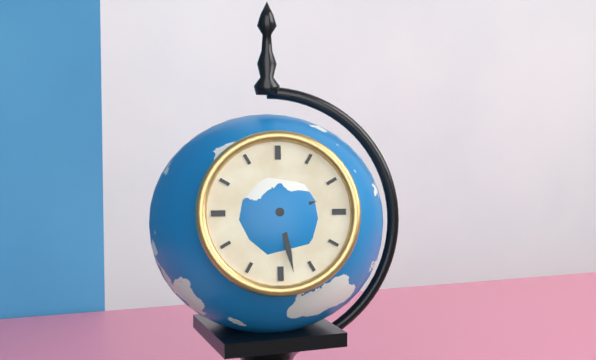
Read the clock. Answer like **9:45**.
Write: **2:28**
